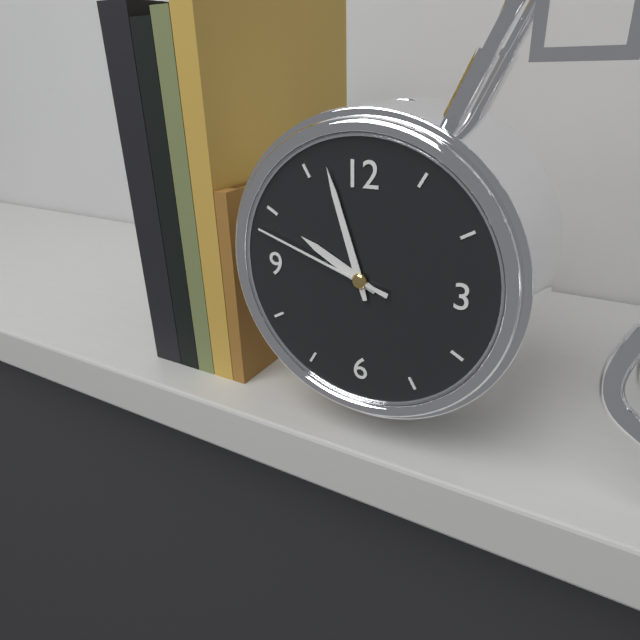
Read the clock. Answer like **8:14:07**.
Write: **9:57:48**
